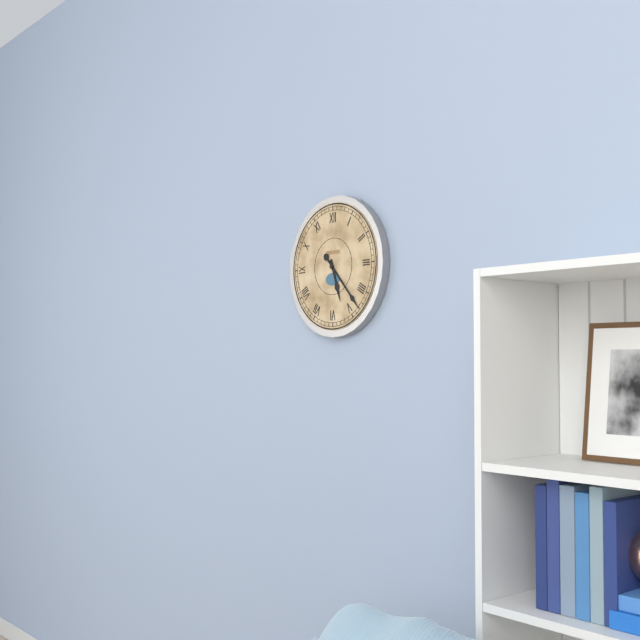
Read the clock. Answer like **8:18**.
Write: **5:23**
